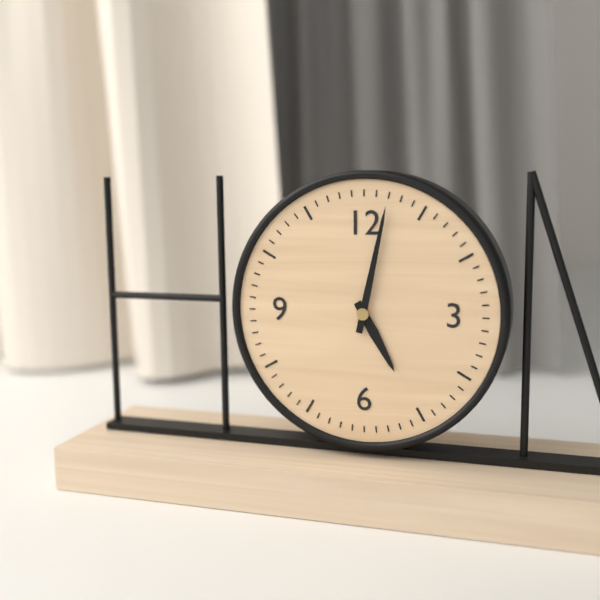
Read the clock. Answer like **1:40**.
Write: **5:02**
